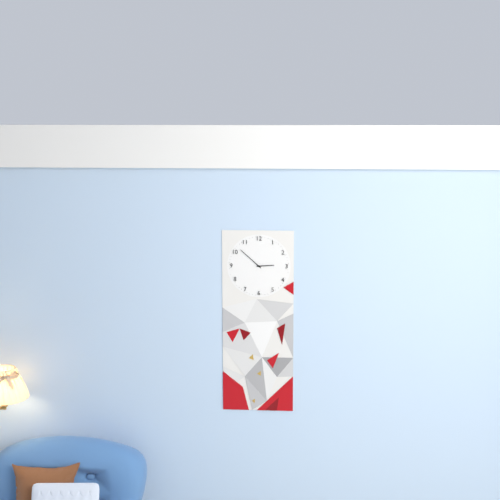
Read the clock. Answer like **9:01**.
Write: **2:52**
